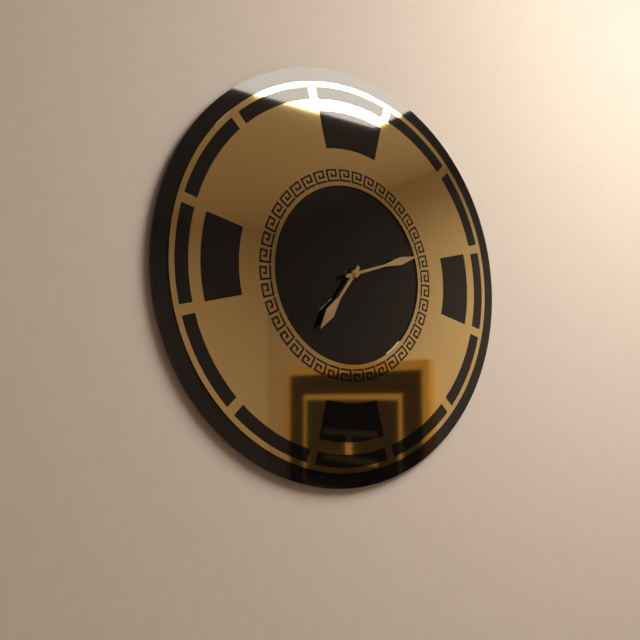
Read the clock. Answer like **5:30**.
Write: **7:12**
